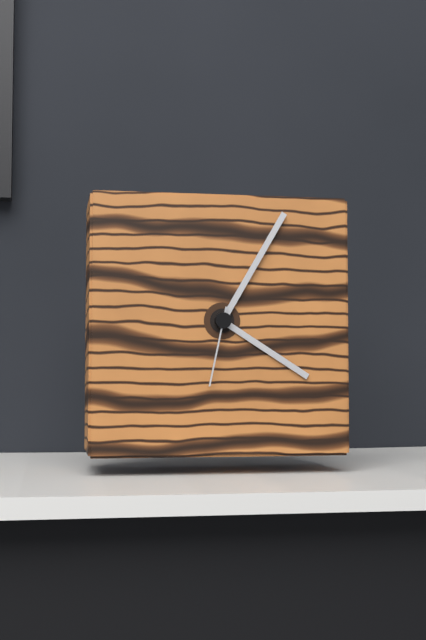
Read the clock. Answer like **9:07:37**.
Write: **4:05:32**
